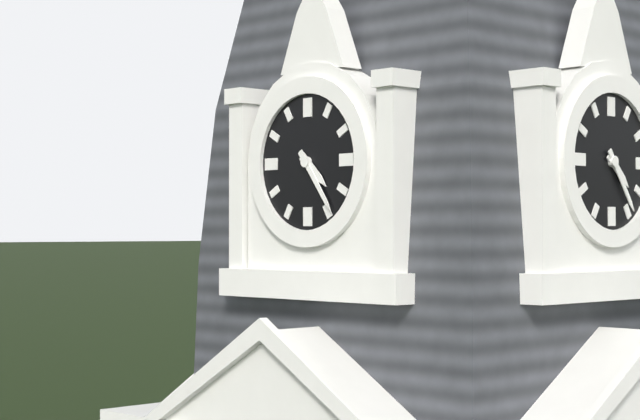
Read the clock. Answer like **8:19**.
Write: **4:24**
